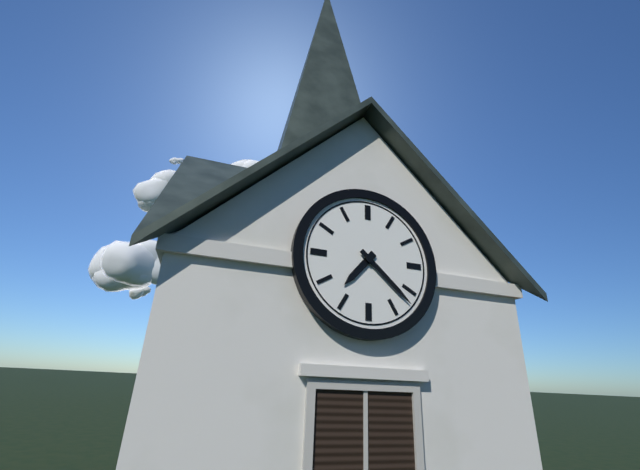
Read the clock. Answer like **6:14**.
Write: **7:22**
